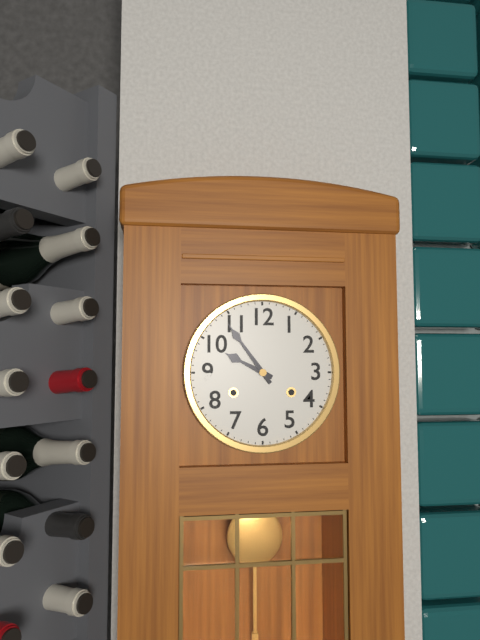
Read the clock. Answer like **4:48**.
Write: **9:54**
